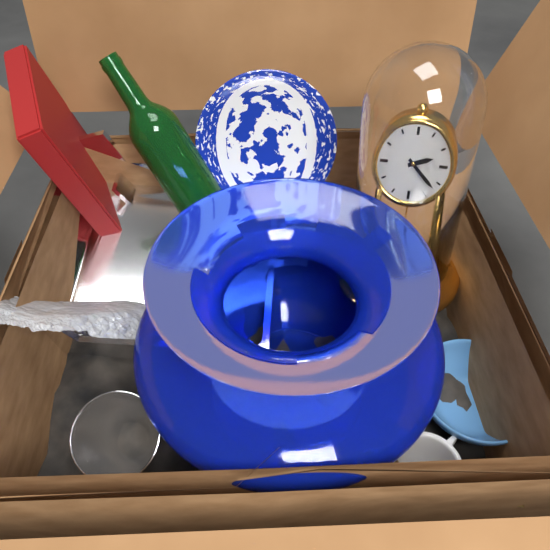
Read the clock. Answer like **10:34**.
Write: **2:22**
